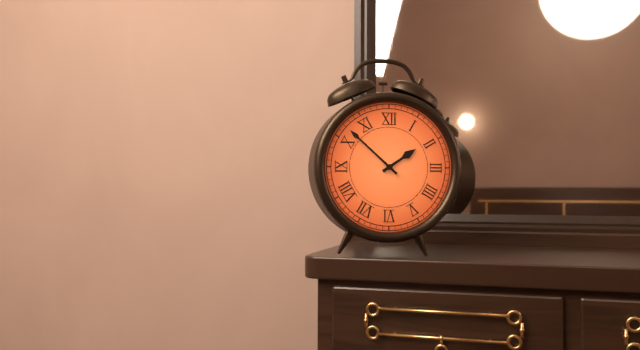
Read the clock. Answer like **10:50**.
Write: **1:52**
